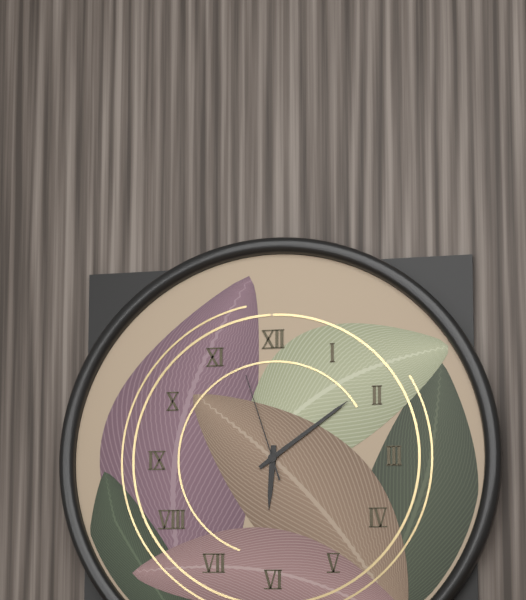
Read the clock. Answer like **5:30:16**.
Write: **6:09:57**
